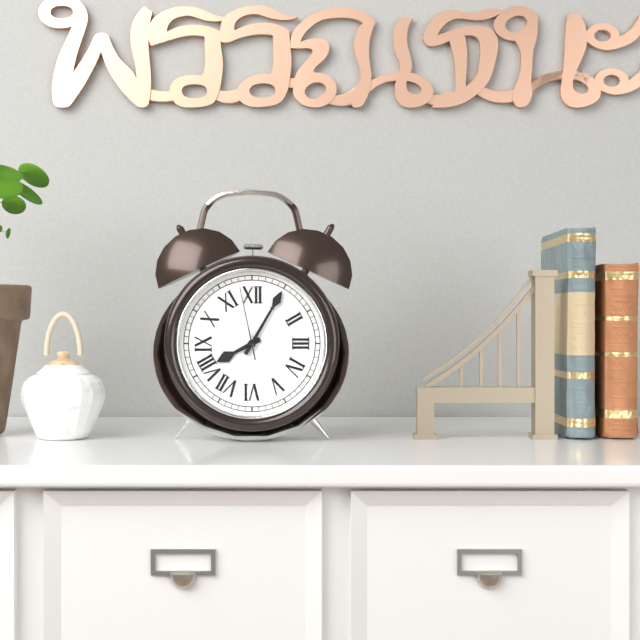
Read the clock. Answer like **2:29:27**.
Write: **8:05:58**
